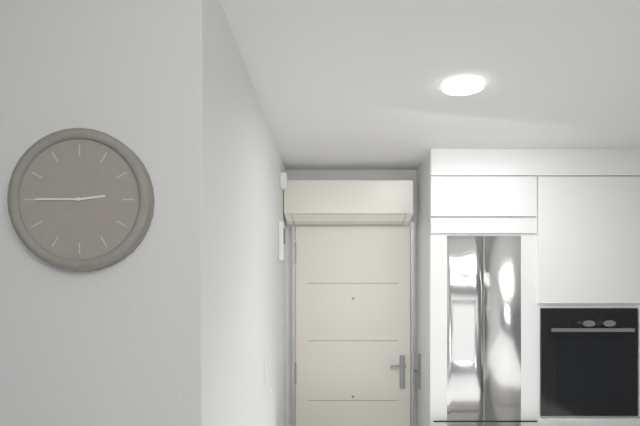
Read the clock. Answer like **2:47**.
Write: **2:45**
